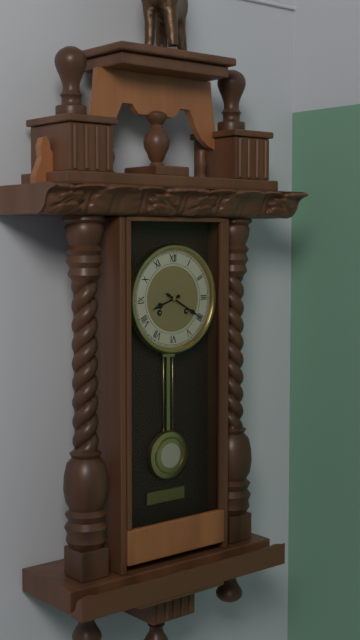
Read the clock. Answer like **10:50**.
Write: **8:20**
